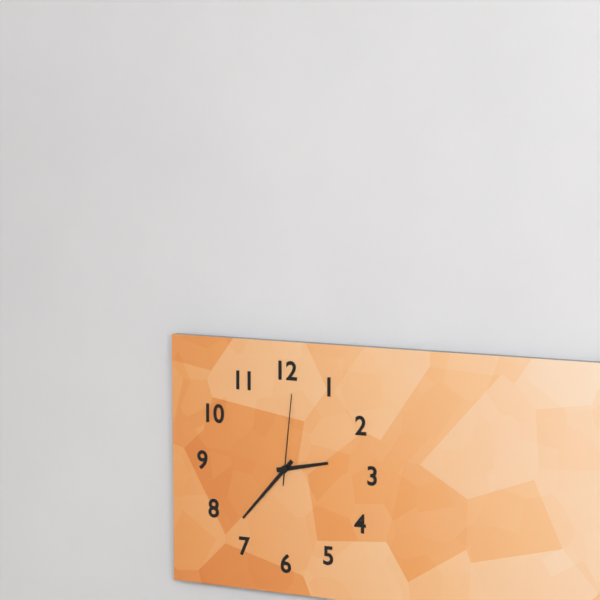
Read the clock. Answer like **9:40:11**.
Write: **2:37:01**
